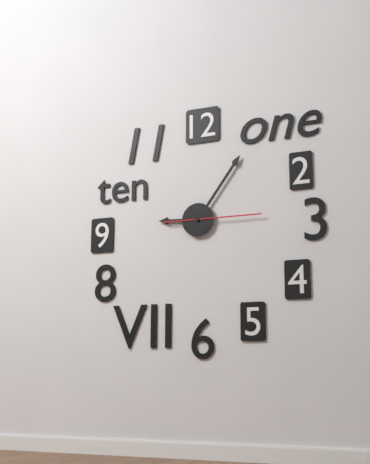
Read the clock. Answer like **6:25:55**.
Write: **9:06:15**
